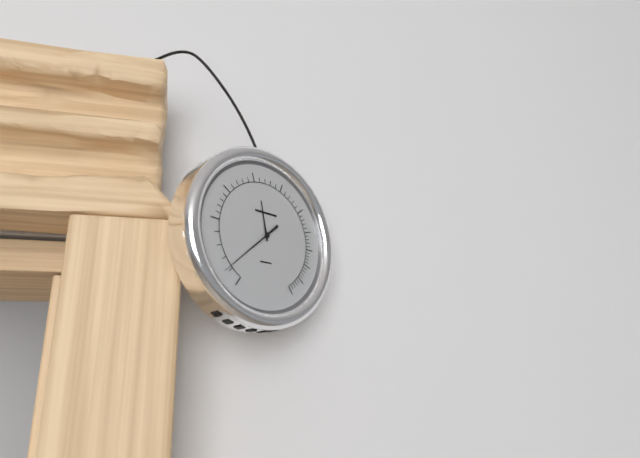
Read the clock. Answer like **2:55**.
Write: **11:38**
